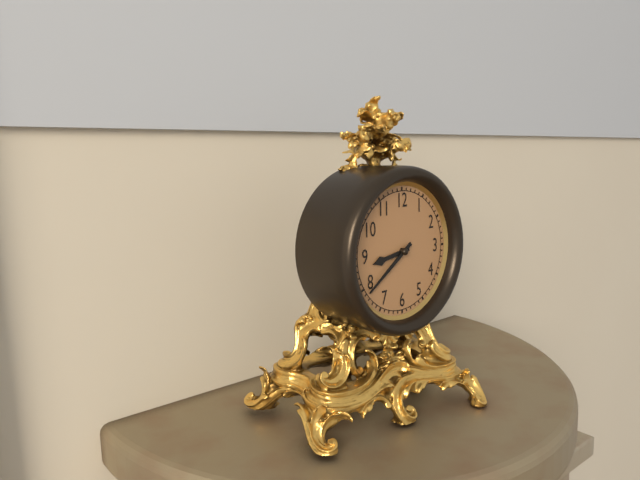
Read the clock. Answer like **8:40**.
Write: **8:39**
